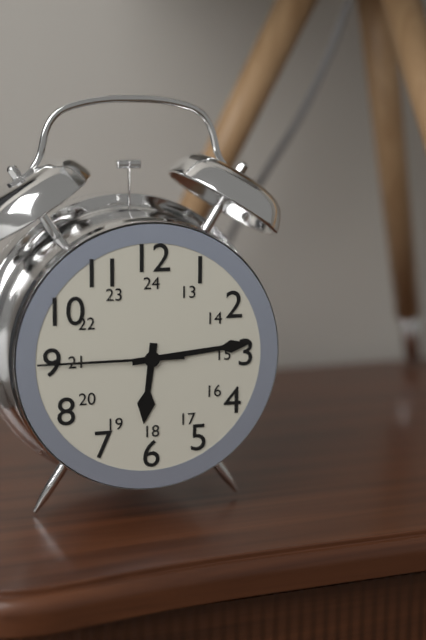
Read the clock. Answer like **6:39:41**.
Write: **6:14:45**
